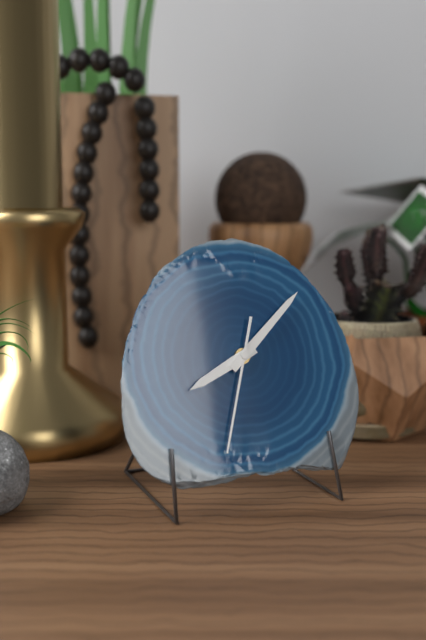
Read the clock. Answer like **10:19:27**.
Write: **8:08:33**
